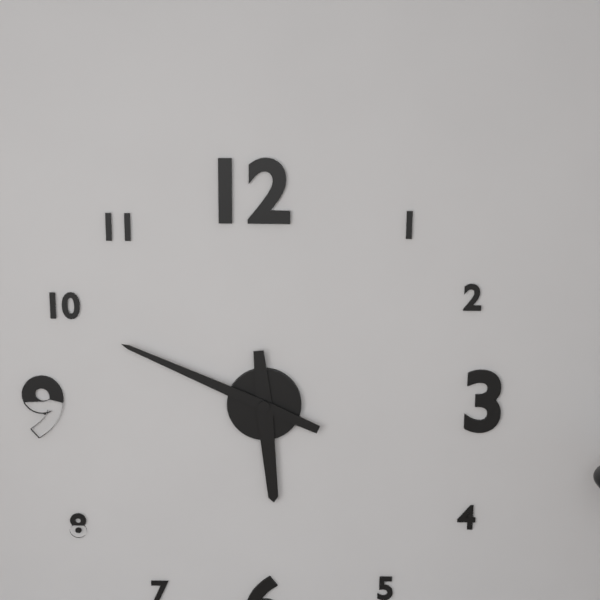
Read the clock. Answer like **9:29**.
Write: **5:49**
